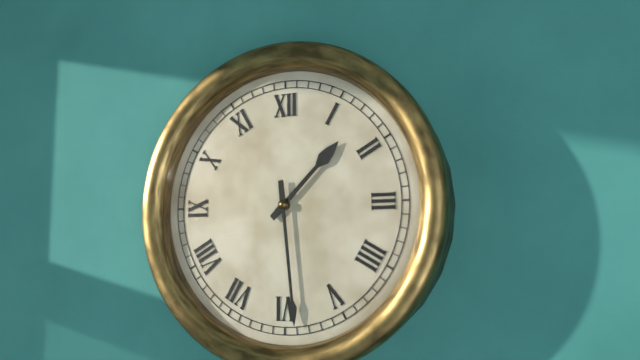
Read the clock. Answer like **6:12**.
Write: **1:29**
